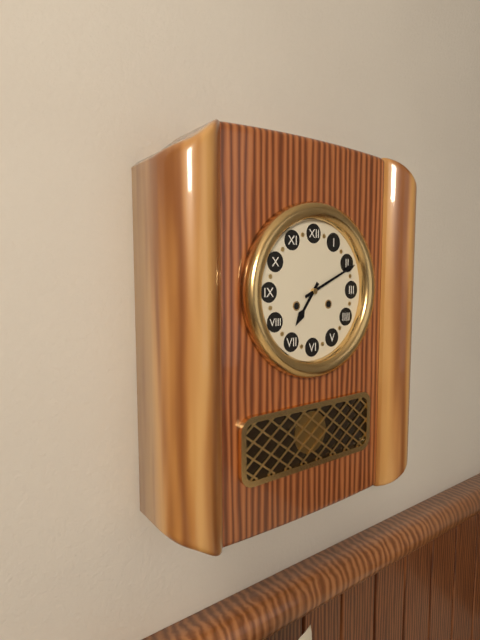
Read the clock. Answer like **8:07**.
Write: **7:11**
